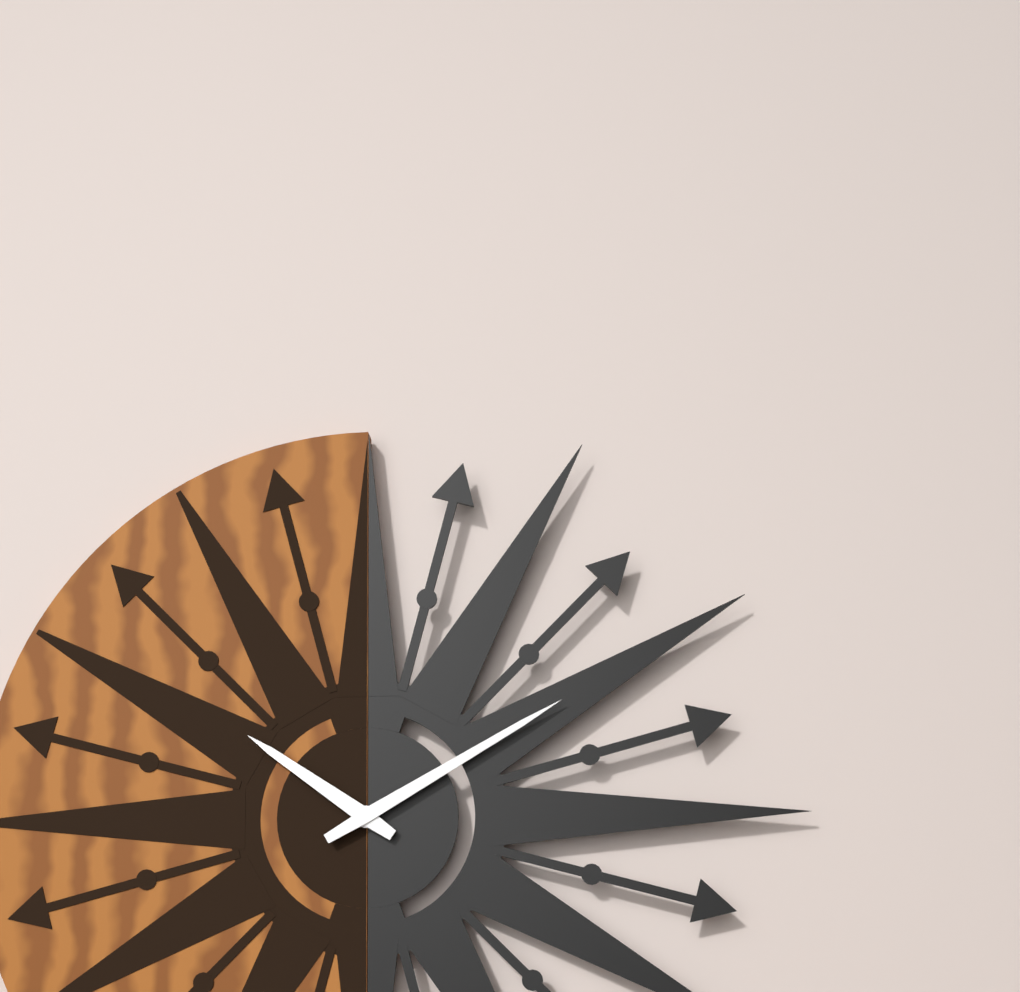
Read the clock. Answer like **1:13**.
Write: **10:10**
